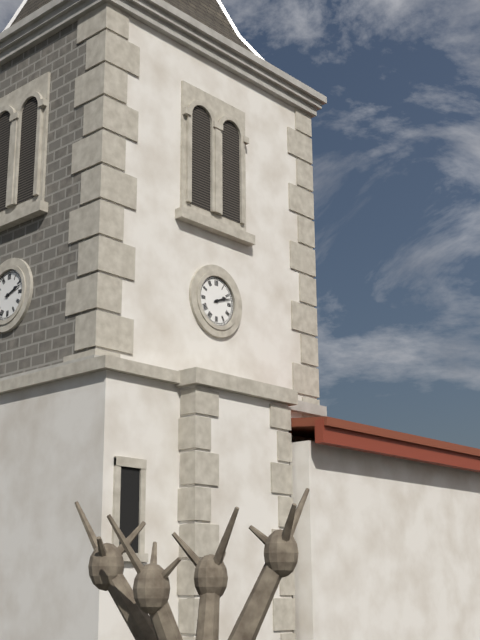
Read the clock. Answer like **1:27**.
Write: **2:12**
